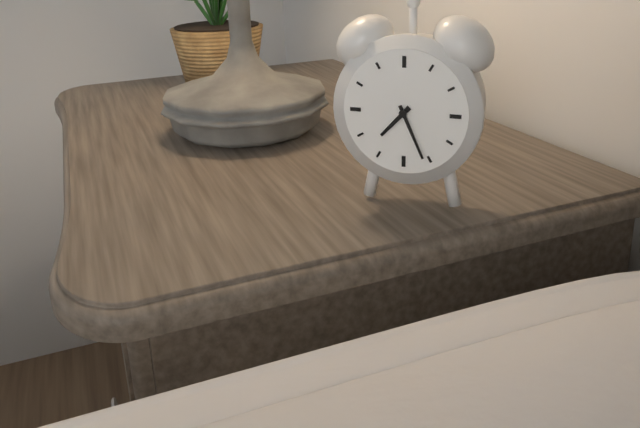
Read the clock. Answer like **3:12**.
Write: **7:26**
